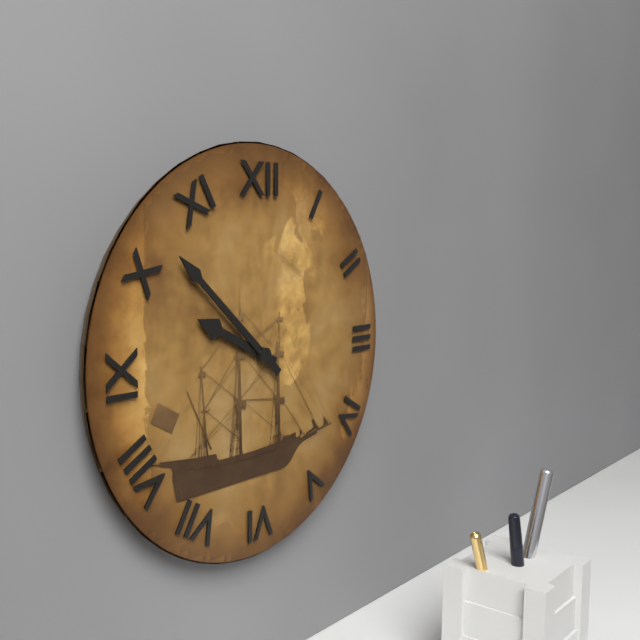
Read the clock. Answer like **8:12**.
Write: **9:52**
